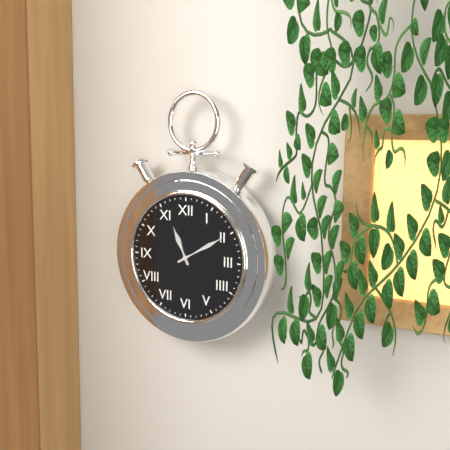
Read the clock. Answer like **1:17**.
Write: **11:10**
